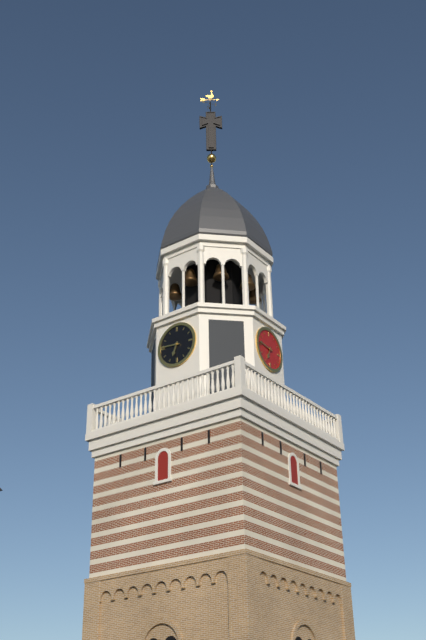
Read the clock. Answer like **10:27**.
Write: **6:46**
